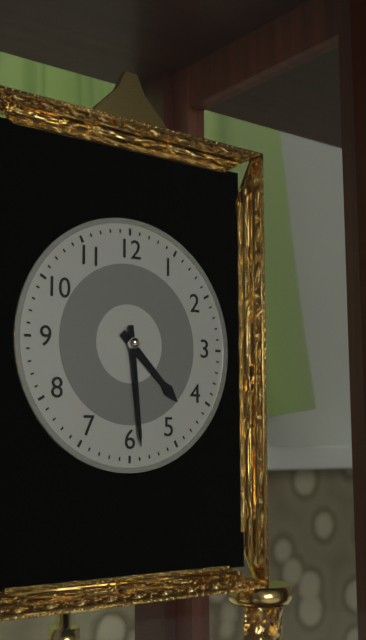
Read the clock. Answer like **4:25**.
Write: **4:29**
